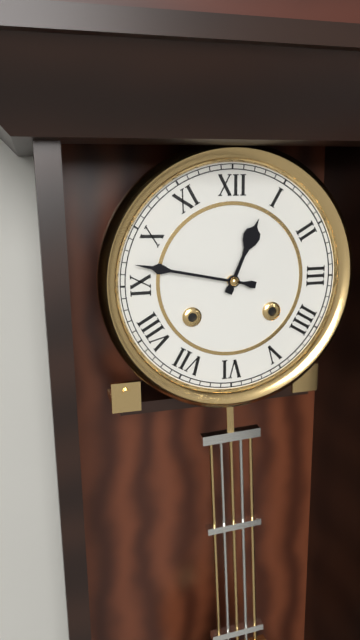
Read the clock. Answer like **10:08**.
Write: **12:47**
